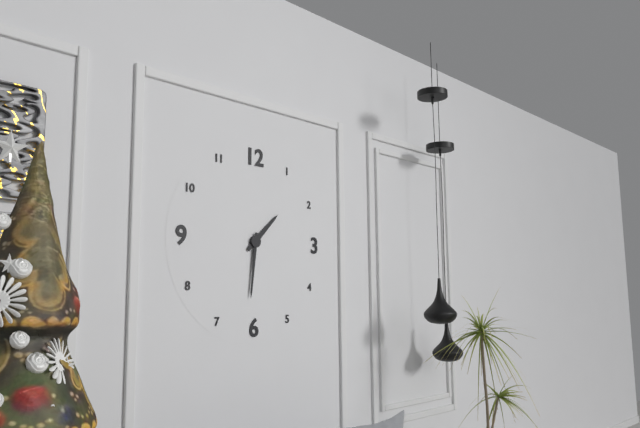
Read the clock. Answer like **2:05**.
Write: **1:31**
